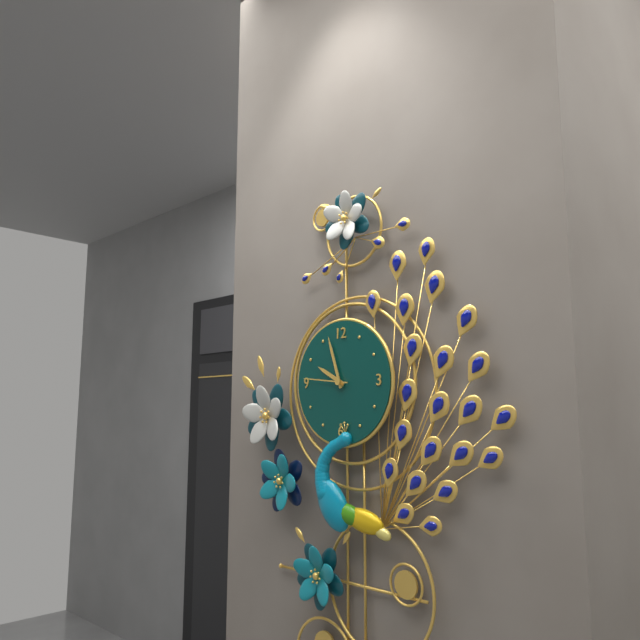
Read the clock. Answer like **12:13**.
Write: **9:57**
